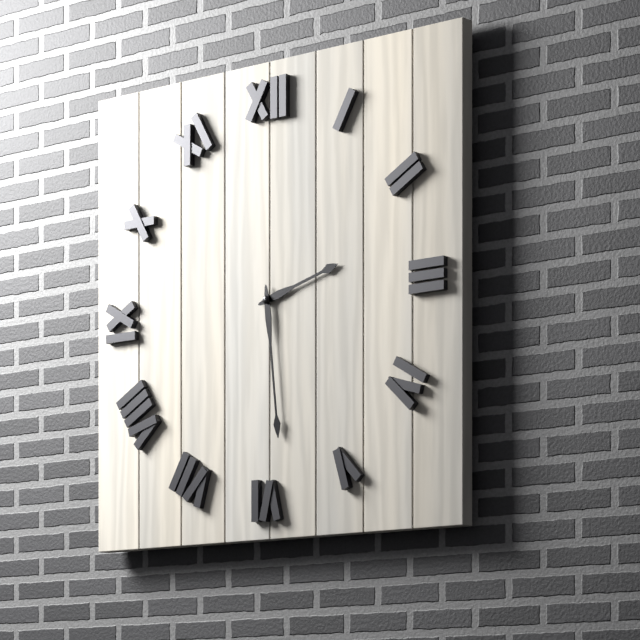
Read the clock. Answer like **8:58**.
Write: **2:29**
